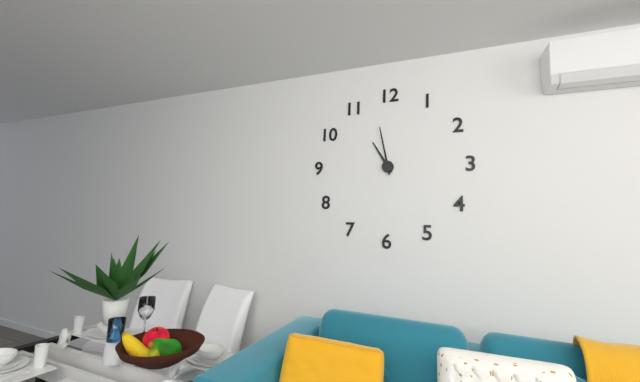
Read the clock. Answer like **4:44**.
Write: **10:58**
